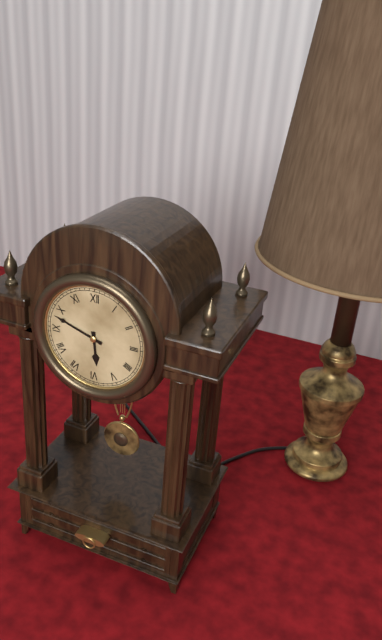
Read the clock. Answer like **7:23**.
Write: **5:48**
